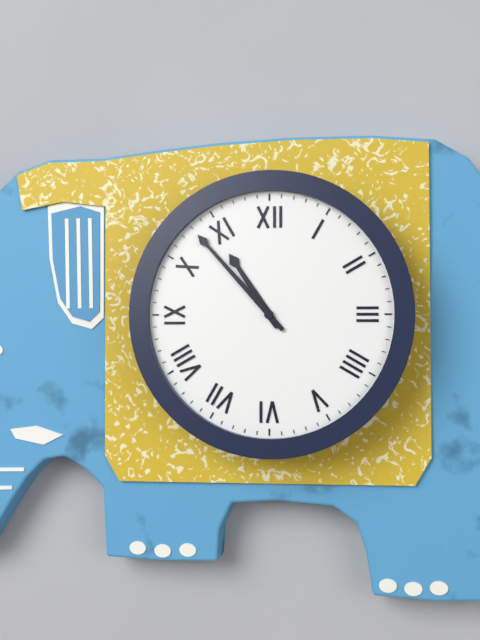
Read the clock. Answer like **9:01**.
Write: **10:53**
